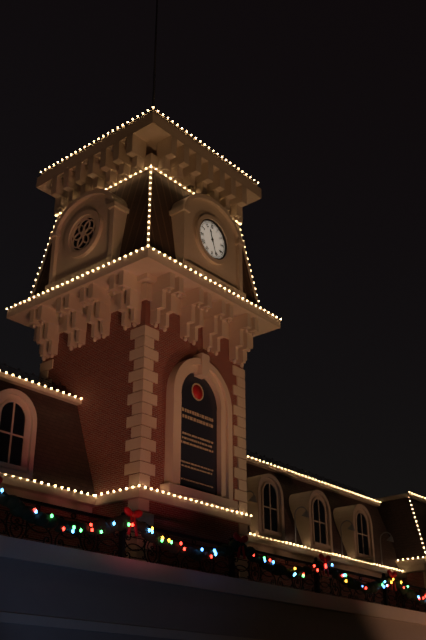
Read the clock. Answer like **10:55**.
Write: **11:27**
